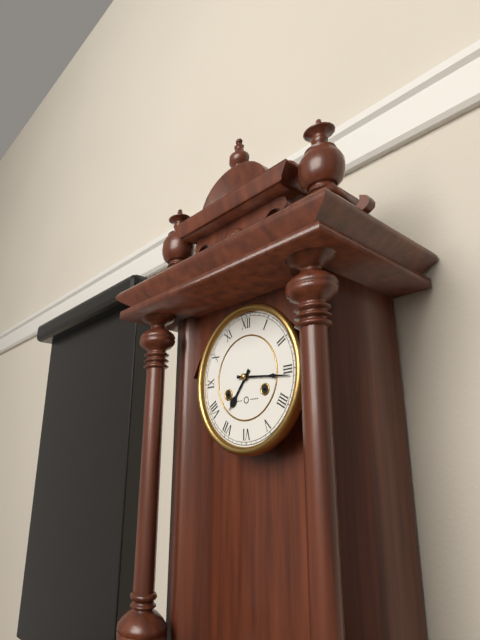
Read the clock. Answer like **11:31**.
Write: **7:16**
